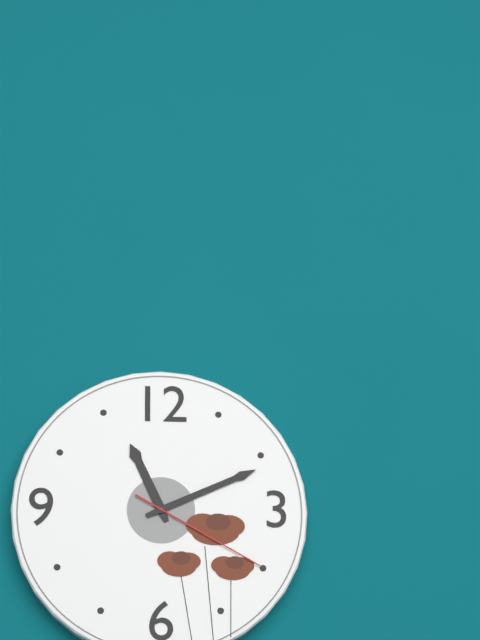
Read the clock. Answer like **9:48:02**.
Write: **11:11:20**
